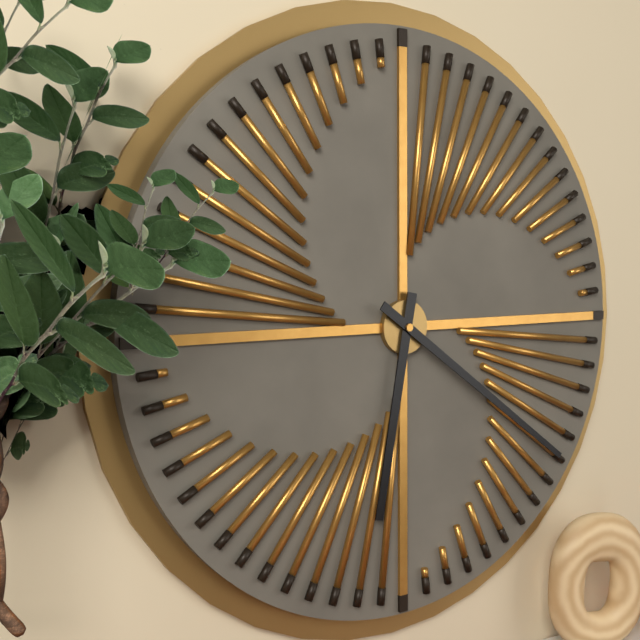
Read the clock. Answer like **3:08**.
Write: **6:21**
